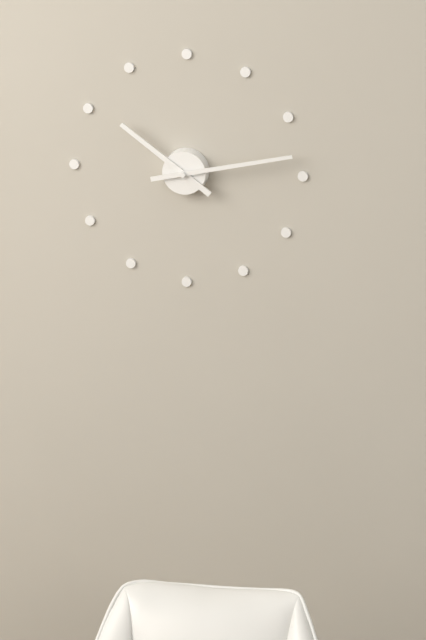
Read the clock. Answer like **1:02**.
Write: **10:13**
